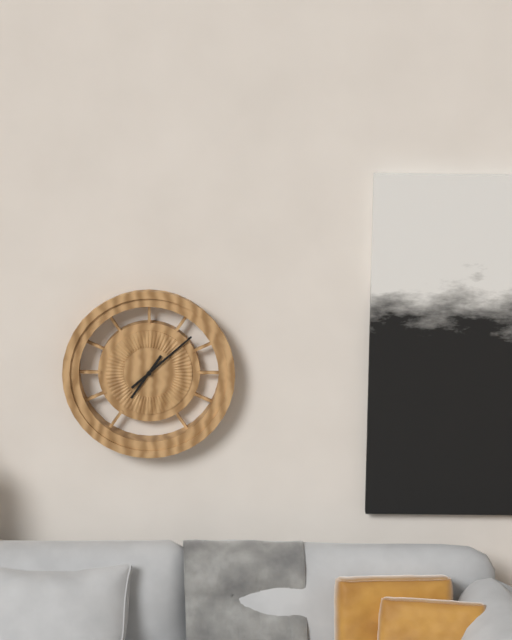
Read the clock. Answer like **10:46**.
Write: **7:08**
